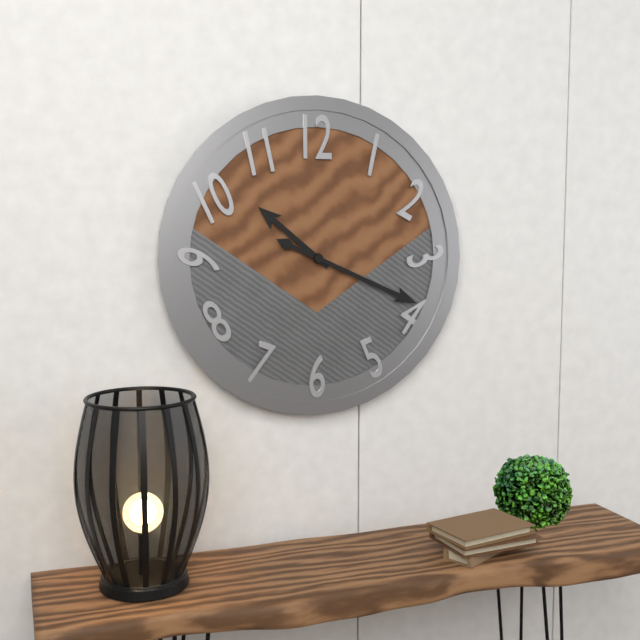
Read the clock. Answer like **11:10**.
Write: **10:19**
